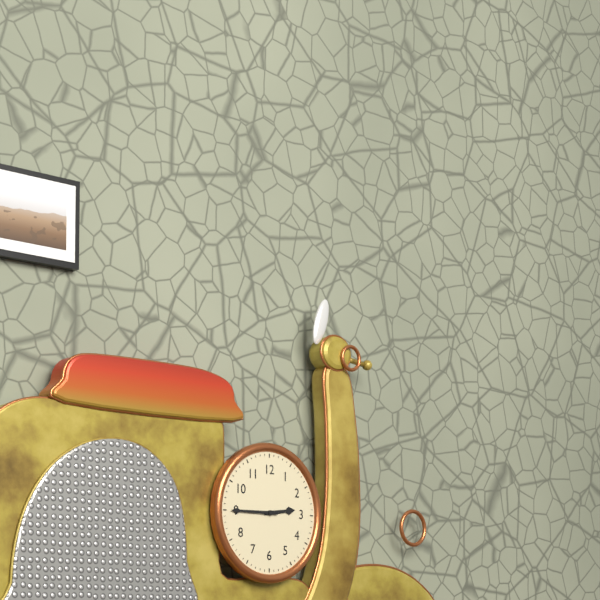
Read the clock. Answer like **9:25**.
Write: **2:45**
